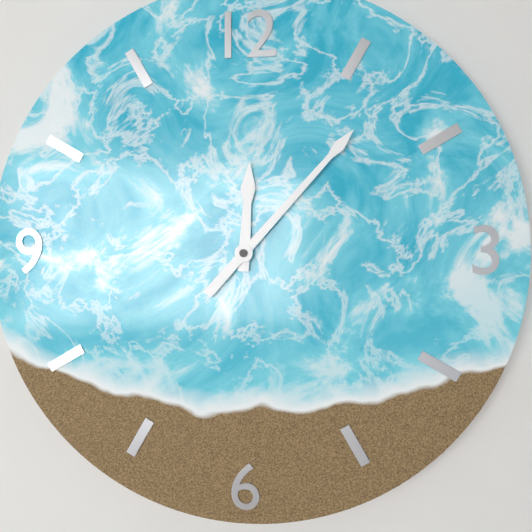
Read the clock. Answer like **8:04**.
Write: **12:07**
